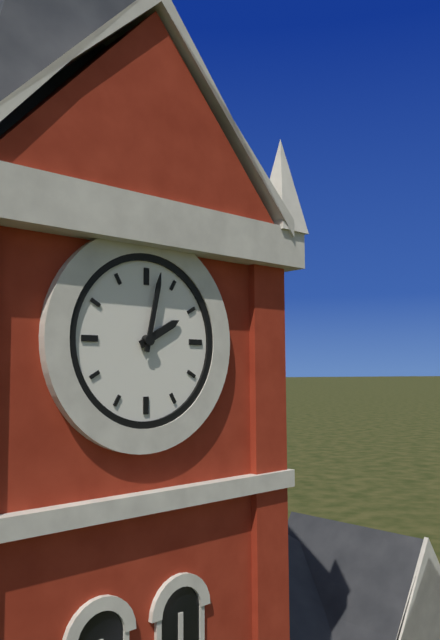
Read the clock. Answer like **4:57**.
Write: **2:02**
